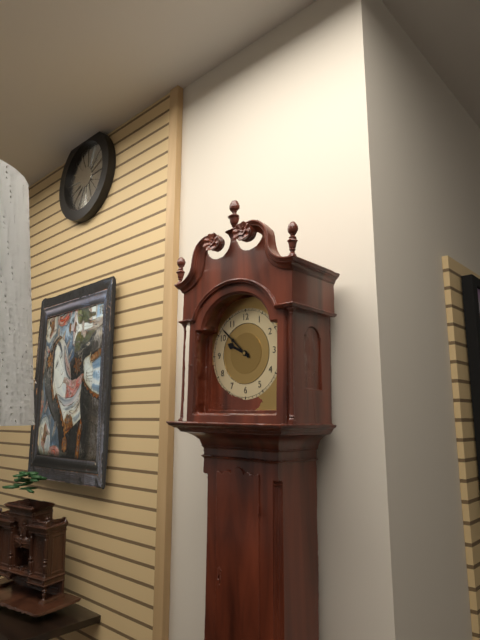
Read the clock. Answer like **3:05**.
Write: **9:52**
